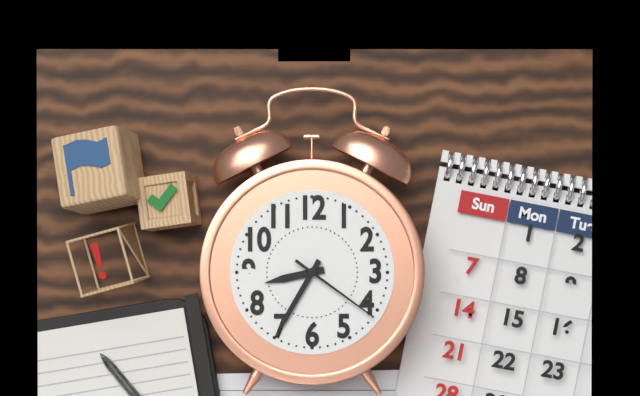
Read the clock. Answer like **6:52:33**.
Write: **8:35:21**
